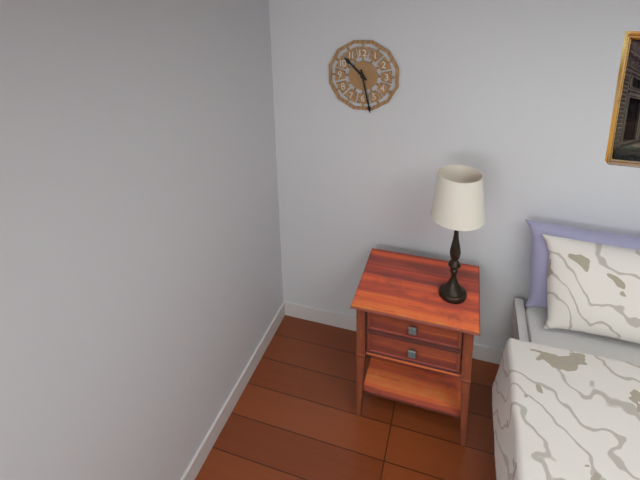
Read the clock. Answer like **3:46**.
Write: **10:28**
